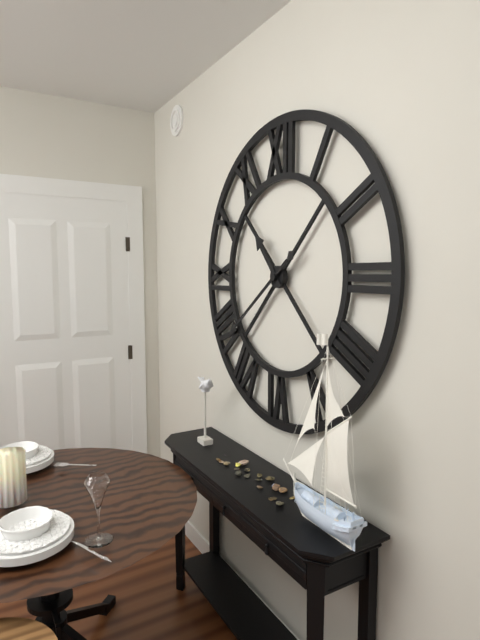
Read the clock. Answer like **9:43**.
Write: **10:39**
